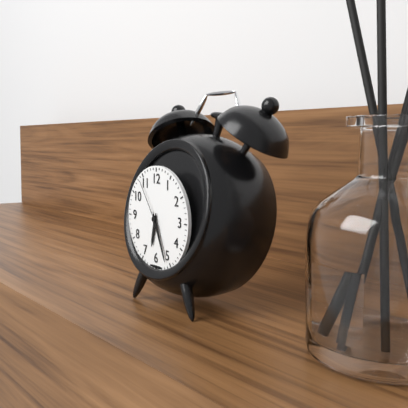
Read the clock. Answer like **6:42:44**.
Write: **6:26:54**
